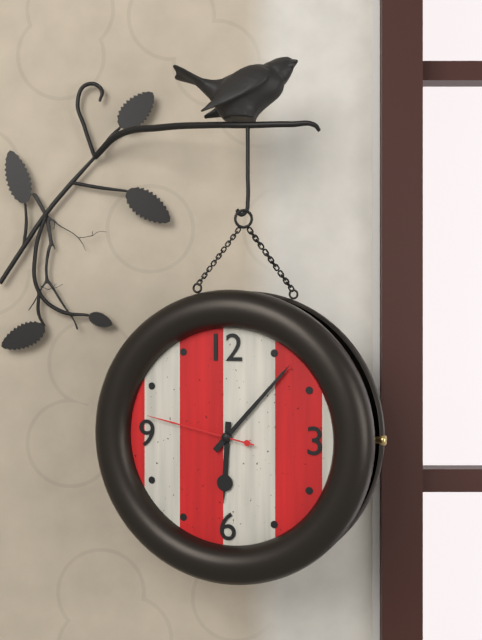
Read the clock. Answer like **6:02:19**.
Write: **6:07:47**
